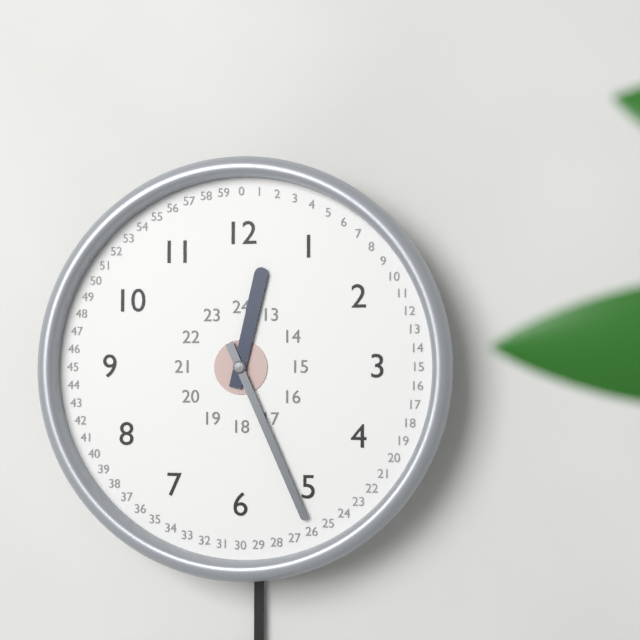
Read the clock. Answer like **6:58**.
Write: **12:26**
